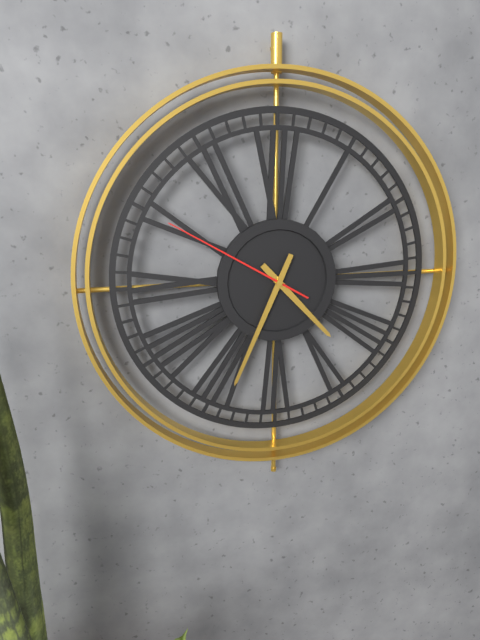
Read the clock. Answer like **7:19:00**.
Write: **4:34:50**
